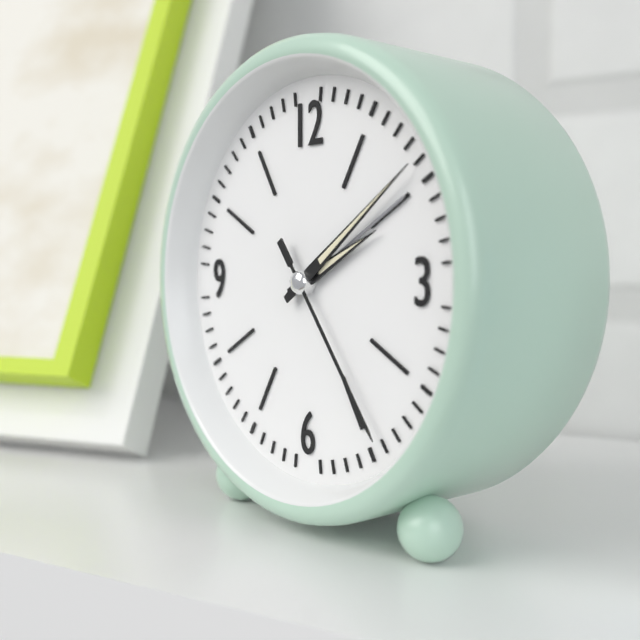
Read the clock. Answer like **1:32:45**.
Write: **2:09:24**
